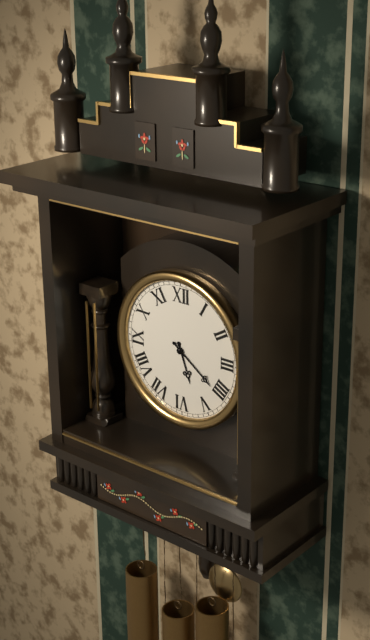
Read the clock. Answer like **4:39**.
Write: **5:21**
